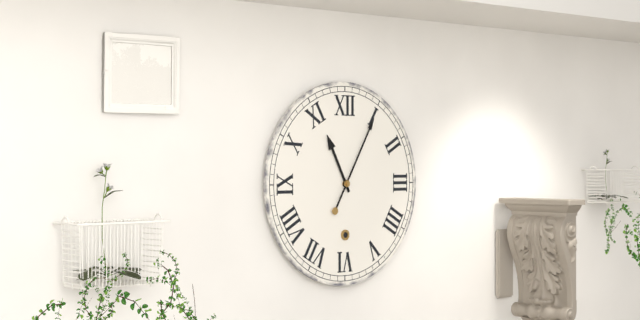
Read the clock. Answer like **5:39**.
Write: **11:05**
